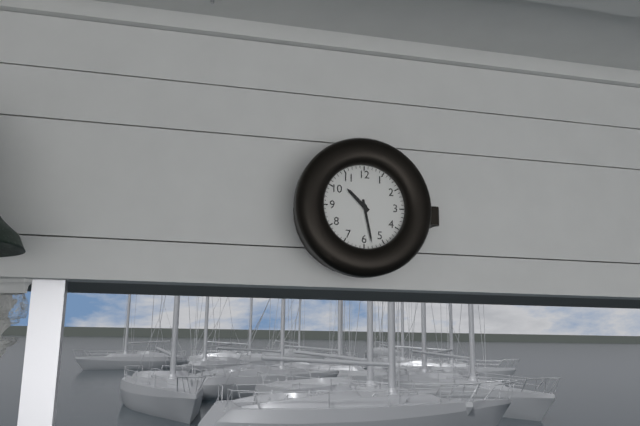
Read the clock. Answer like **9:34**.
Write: **10:28**
